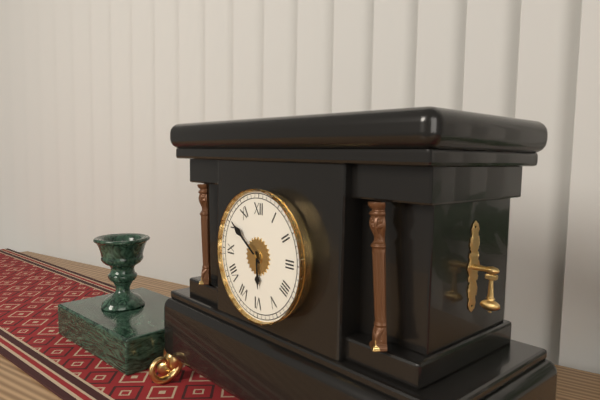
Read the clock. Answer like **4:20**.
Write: **5:51**
